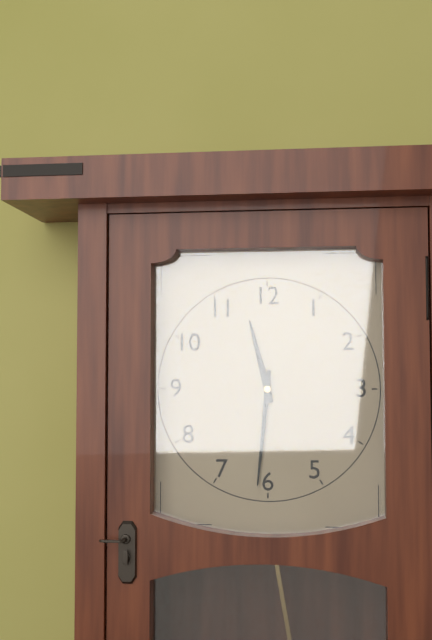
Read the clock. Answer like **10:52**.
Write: **11:31**
